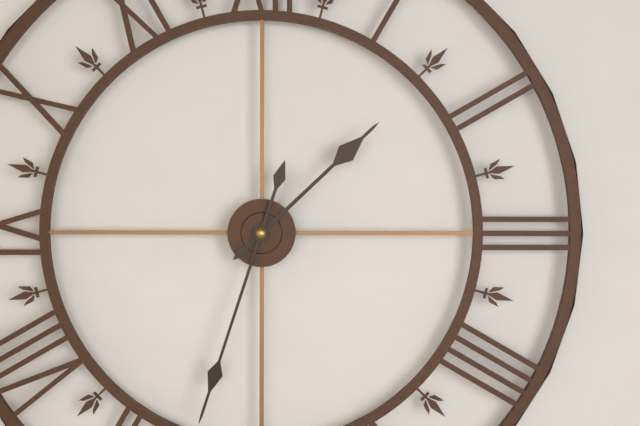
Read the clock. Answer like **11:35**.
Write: **1:33**
